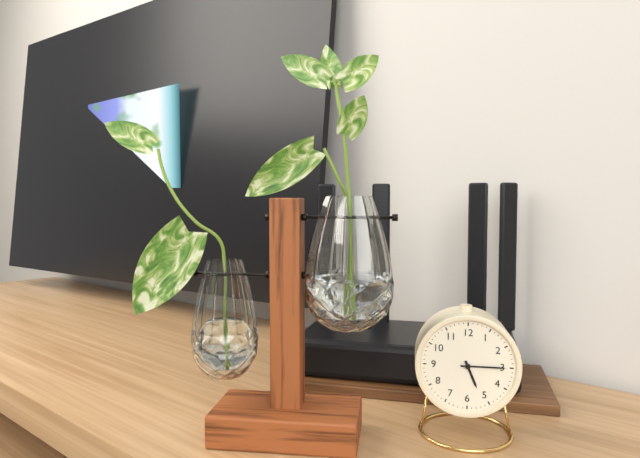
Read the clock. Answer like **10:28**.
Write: **5:15**
